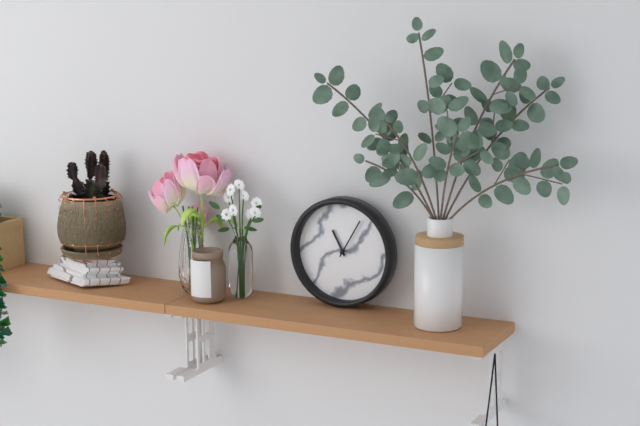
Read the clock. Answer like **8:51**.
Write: **11:05**
